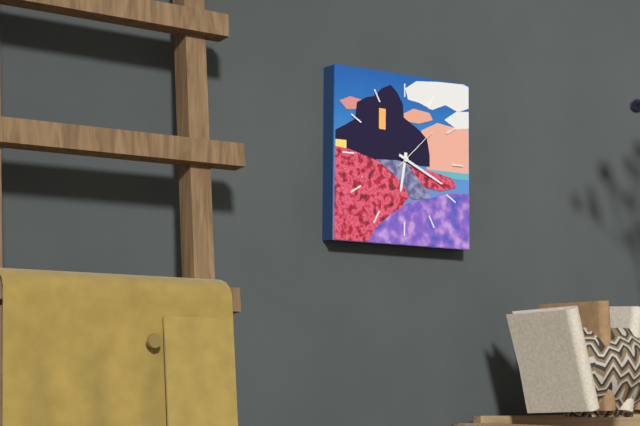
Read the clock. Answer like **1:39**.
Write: **6:19**
